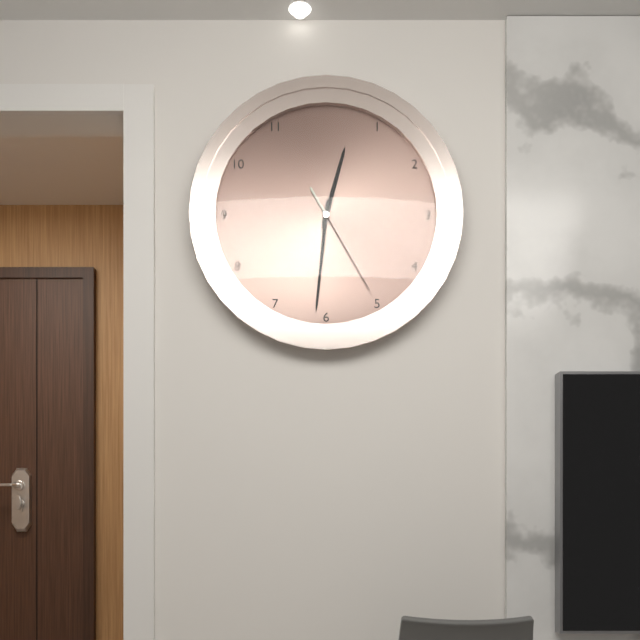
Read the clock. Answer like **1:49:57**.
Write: **12:31:25**
